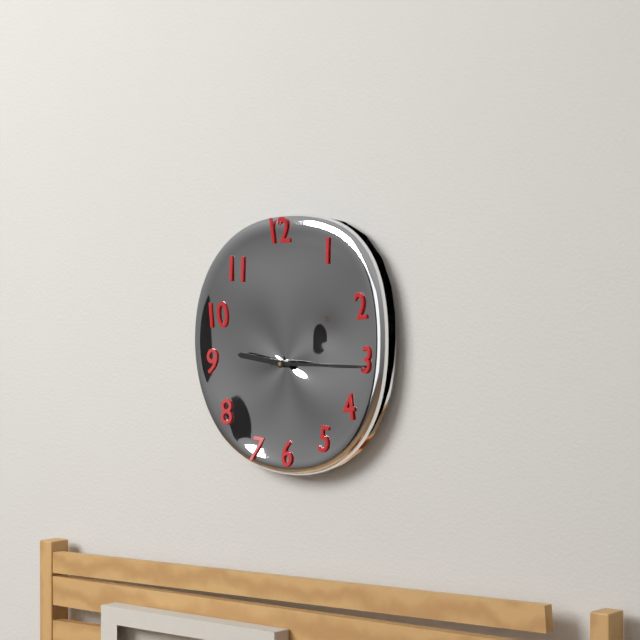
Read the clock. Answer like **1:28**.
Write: **9:15**
